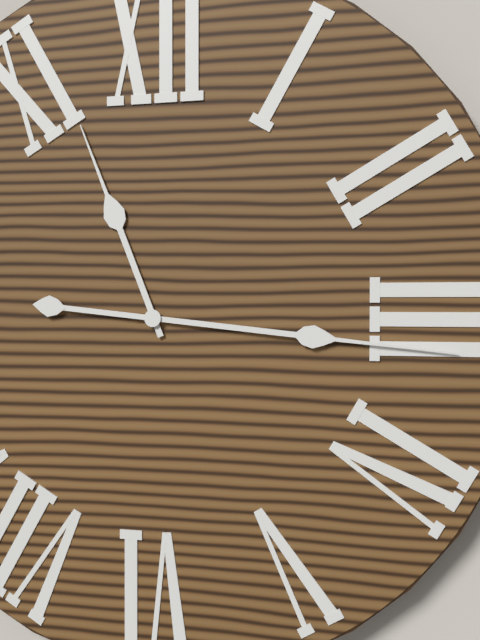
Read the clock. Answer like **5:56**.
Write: **11:16**
